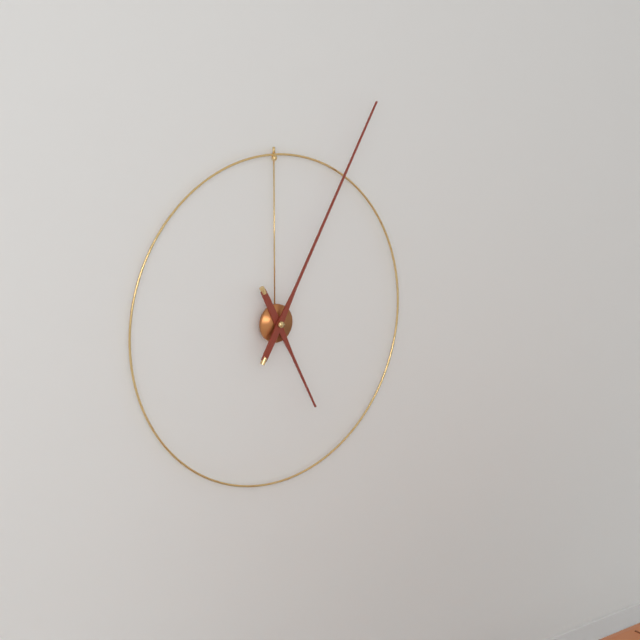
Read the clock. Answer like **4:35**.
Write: **5:05**
